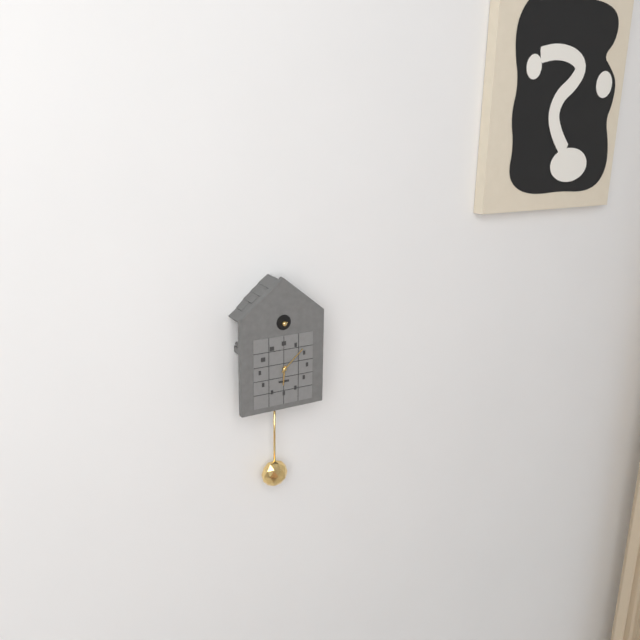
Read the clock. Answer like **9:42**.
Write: **6:08**
